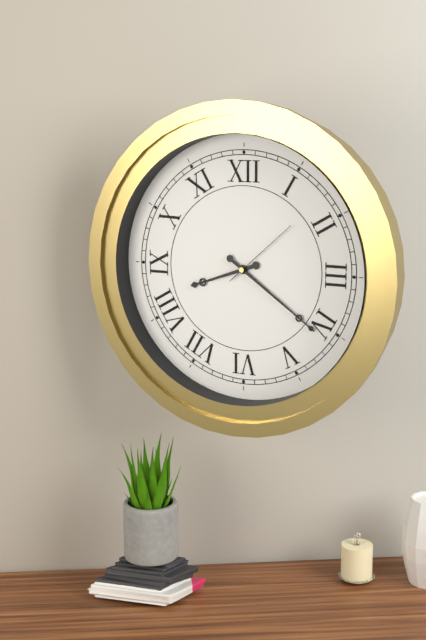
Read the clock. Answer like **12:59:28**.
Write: **8:21:08**
